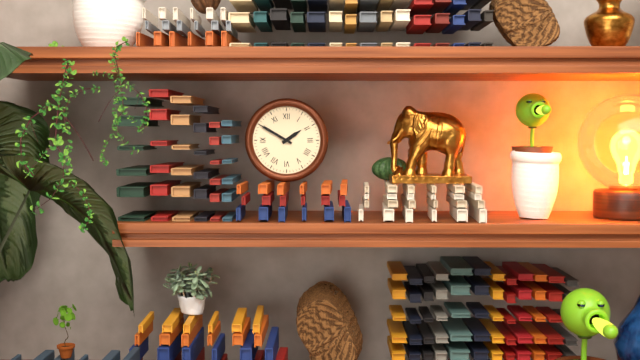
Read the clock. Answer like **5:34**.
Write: **1:50**
